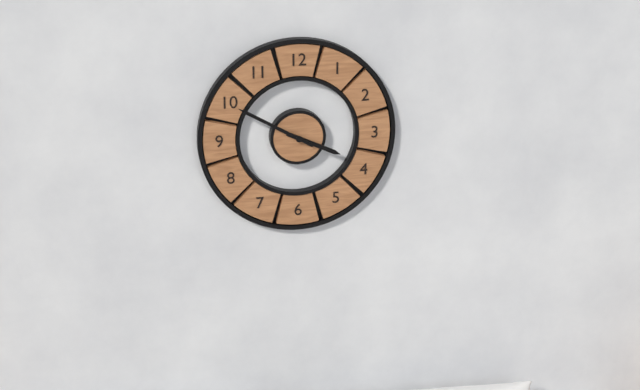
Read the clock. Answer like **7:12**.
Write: **3:50**
